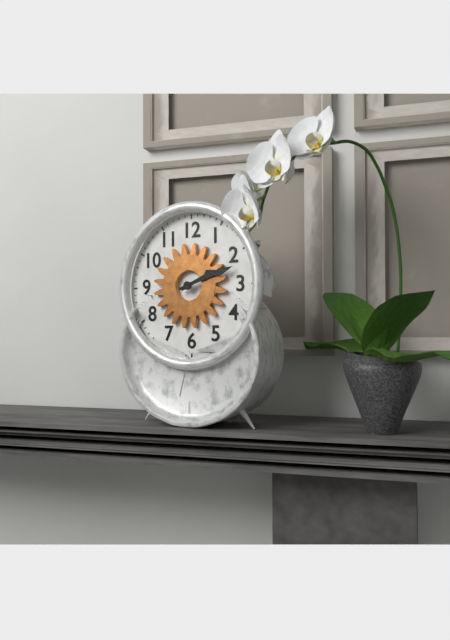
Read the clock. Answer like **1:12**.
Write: **2:12**
